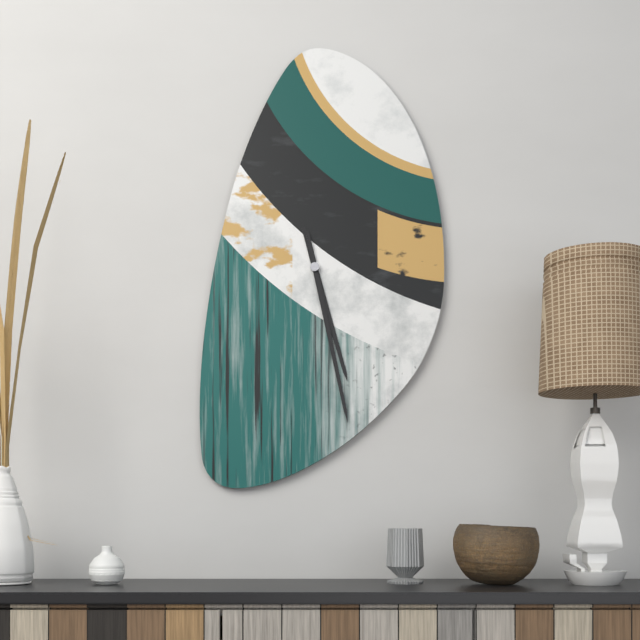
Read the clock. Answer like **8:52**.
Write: **5:28**
